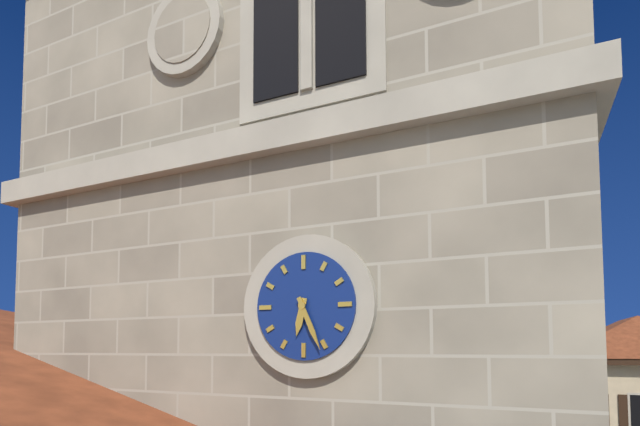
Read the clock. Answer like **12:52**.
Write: **6:26**
